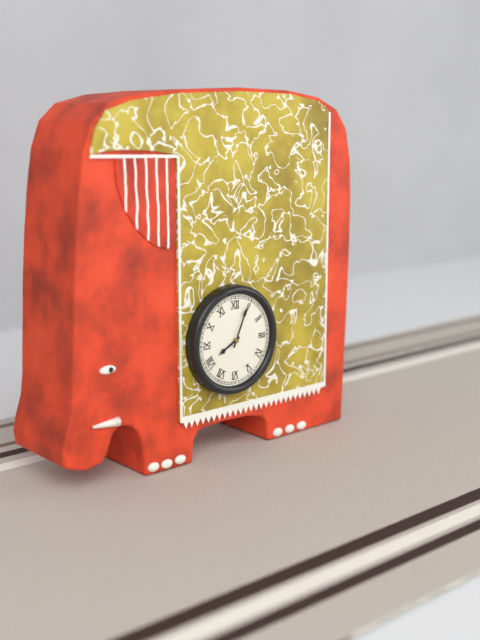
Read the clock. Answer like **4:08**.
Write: **8:04**
